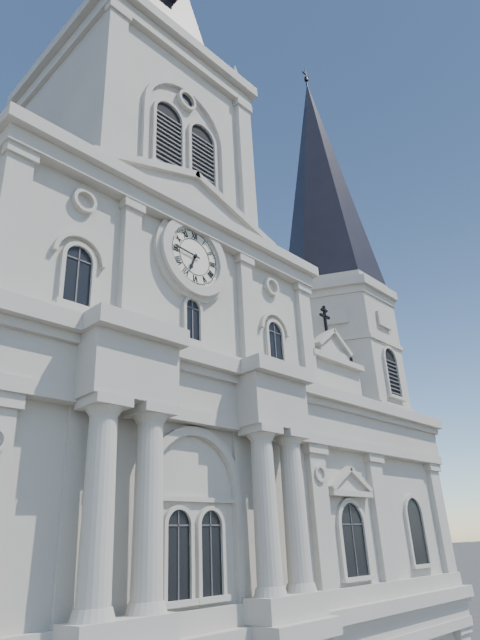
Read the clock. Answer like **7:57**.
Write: **6:46**
